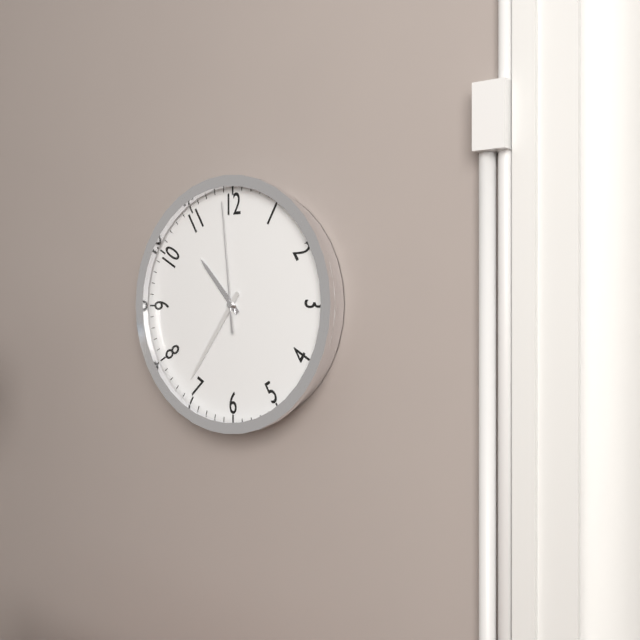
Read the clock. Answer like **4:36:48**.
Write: **10:36:59**
